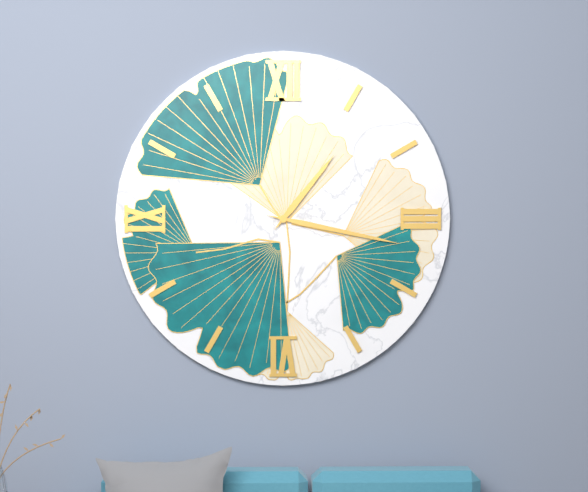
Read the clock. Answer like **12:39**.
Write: **1:17**
